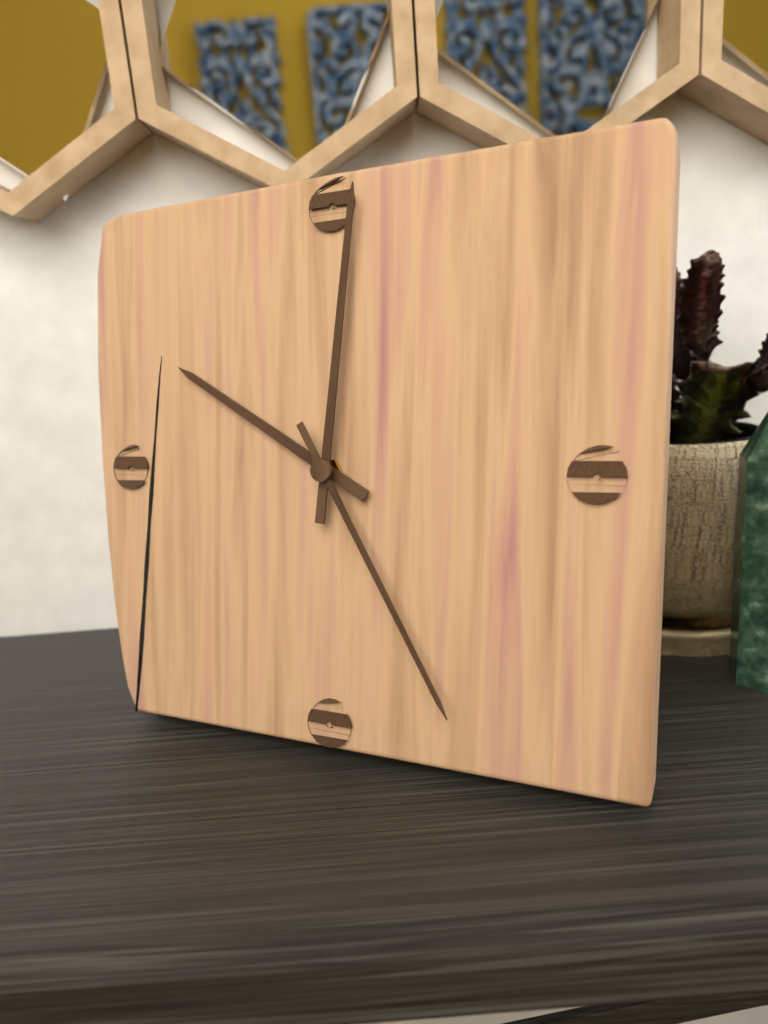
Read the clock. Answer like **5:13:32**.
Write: **10:01:25**
